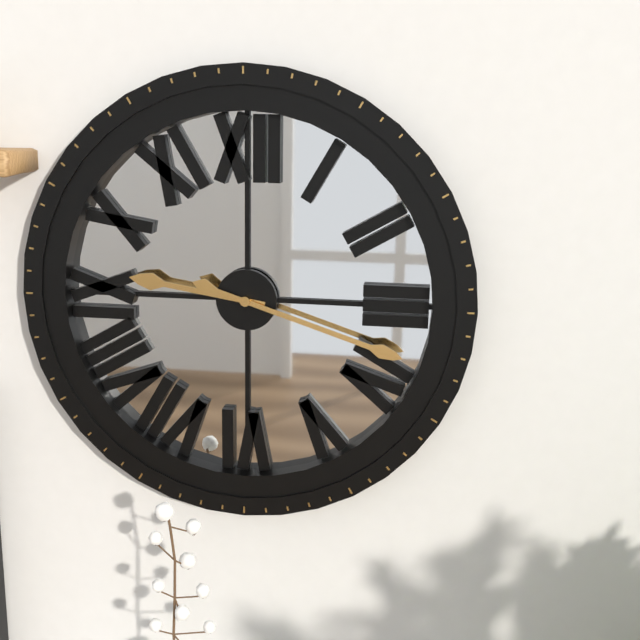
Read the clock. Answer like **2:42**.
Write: **9:18**
